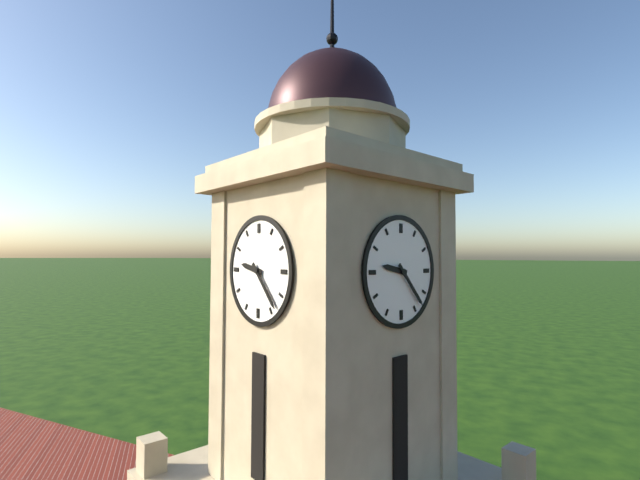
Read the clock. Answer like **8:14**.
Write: **9:23**
